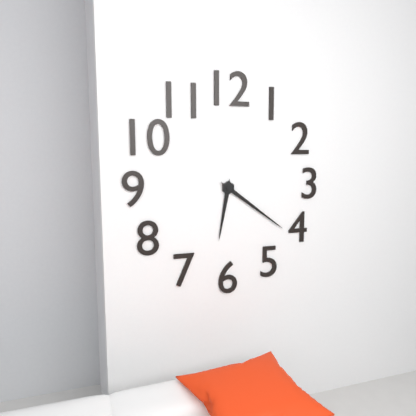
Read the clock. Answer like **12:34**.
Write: **6:21**
